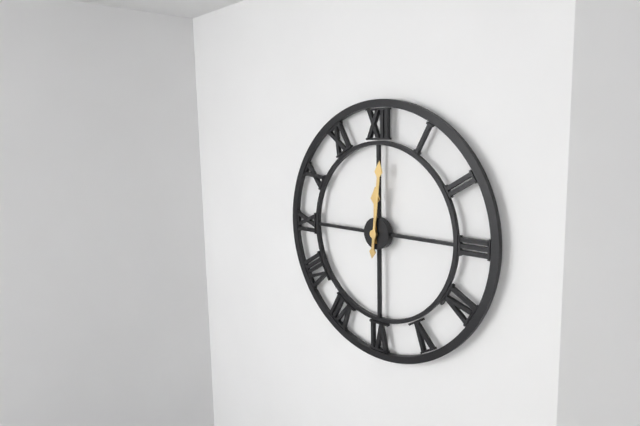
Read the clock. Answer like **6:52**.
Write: **12:01**
